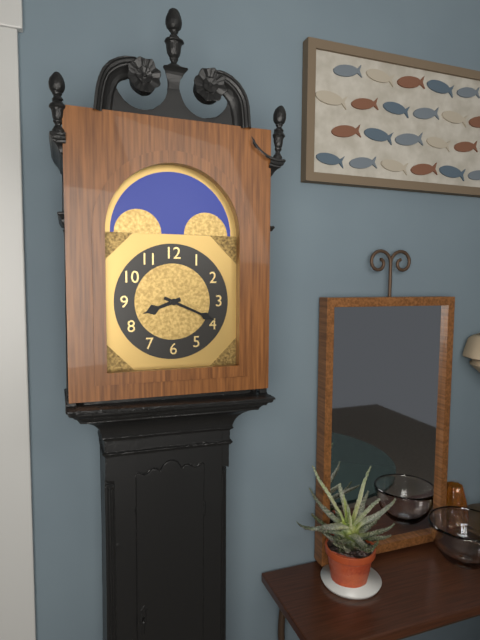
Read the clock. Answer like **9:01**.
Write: **8:19**
